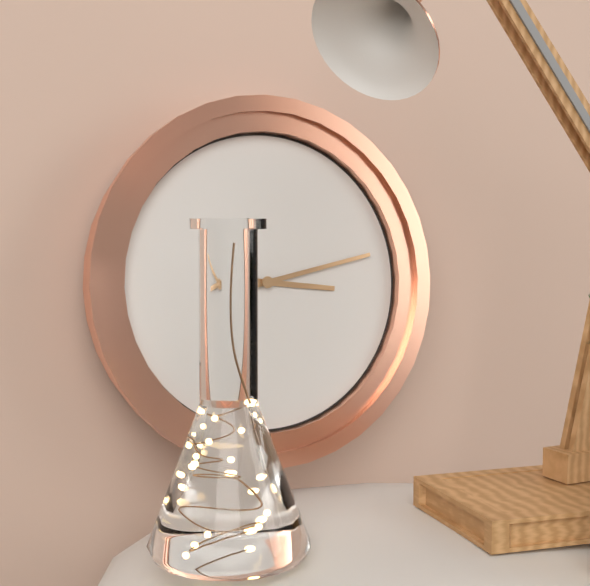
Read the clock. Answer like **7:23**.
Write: **3:13**
